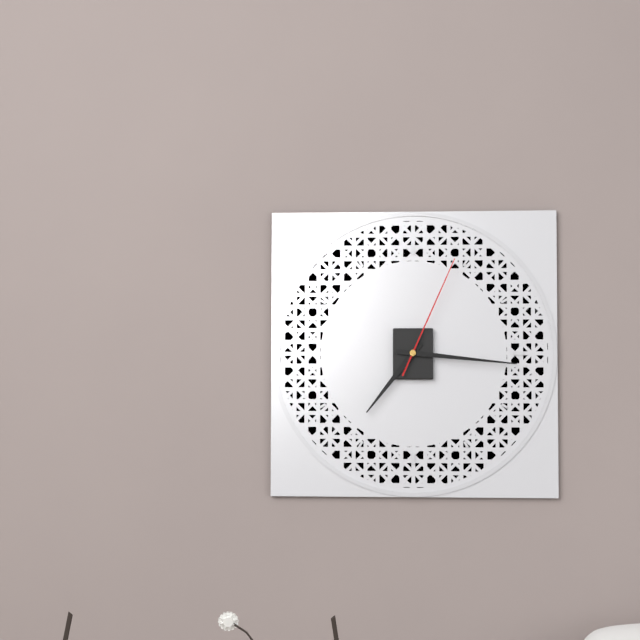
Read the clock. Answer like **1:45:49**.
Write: **7:16:04**
